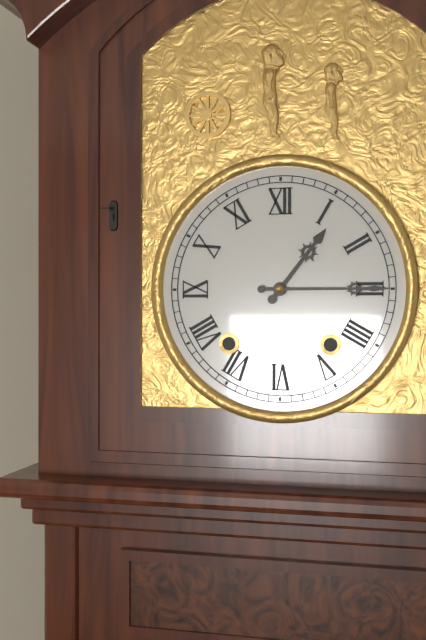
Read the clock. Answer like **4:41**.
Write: **1:15**
